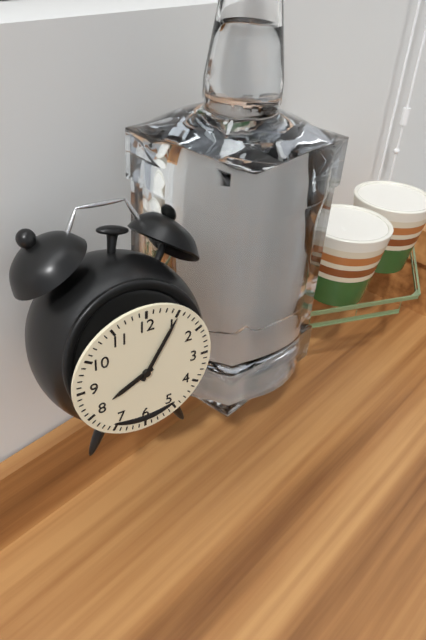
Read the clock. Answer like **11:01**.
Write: **8:05**
